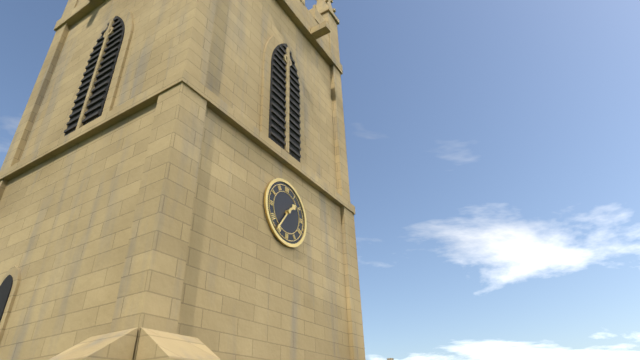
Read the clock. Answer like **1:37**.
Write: **1:36**
